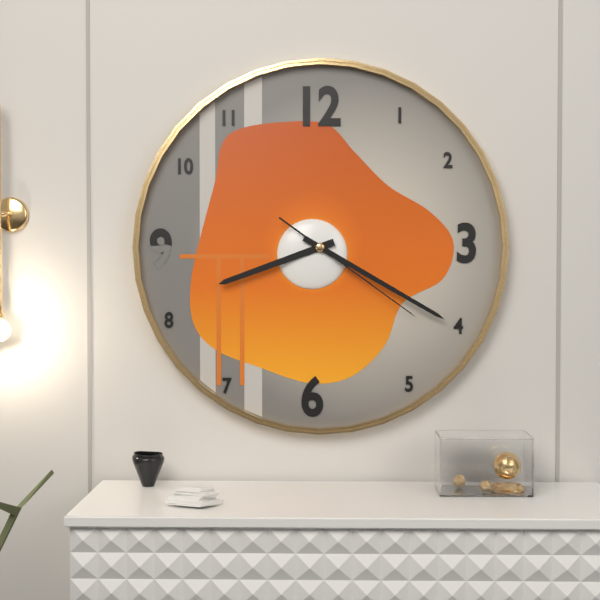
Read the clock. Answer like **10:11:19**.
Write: **8:20:21**
